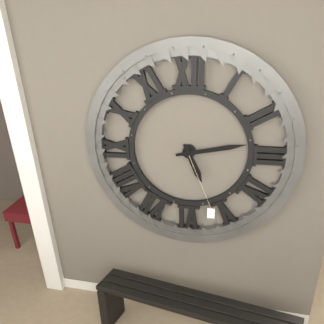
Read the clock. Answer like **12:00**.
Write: **5:13**
